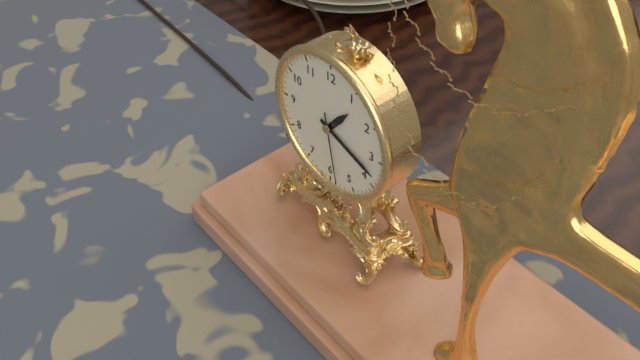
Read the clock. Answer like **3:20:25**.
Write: **1:18:28**
